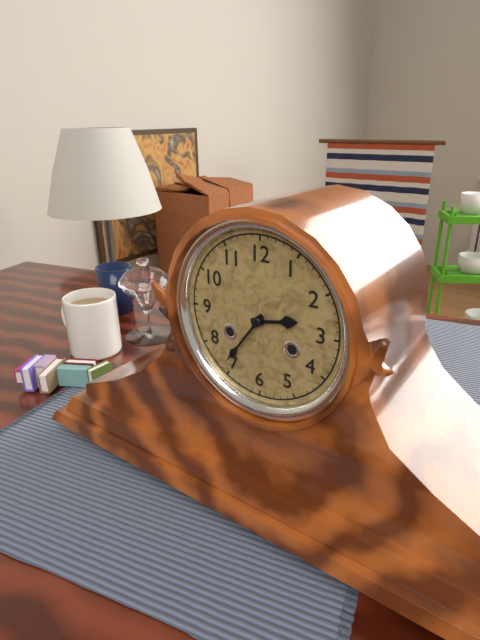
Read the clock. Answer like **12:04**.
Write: **2:36**
